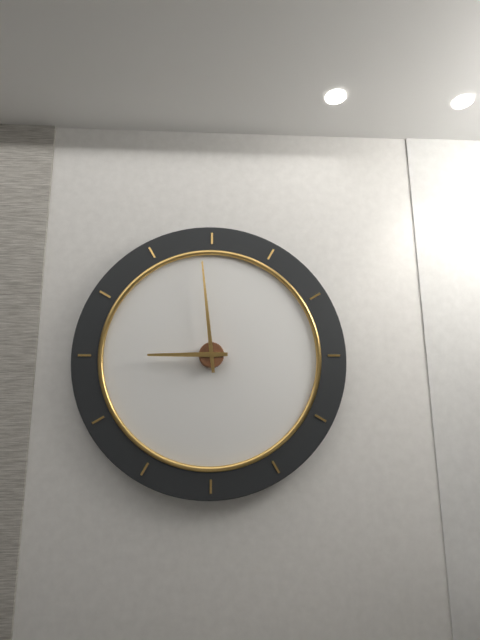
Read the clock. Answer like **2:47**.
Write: **8:59**
